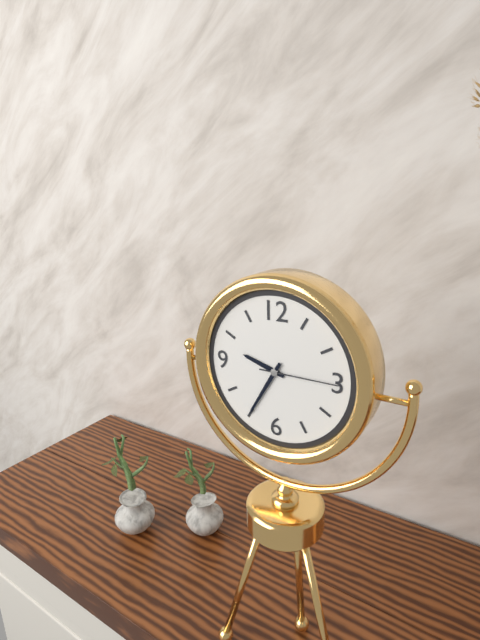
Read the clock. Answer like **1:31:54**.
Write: **9:35:15**
